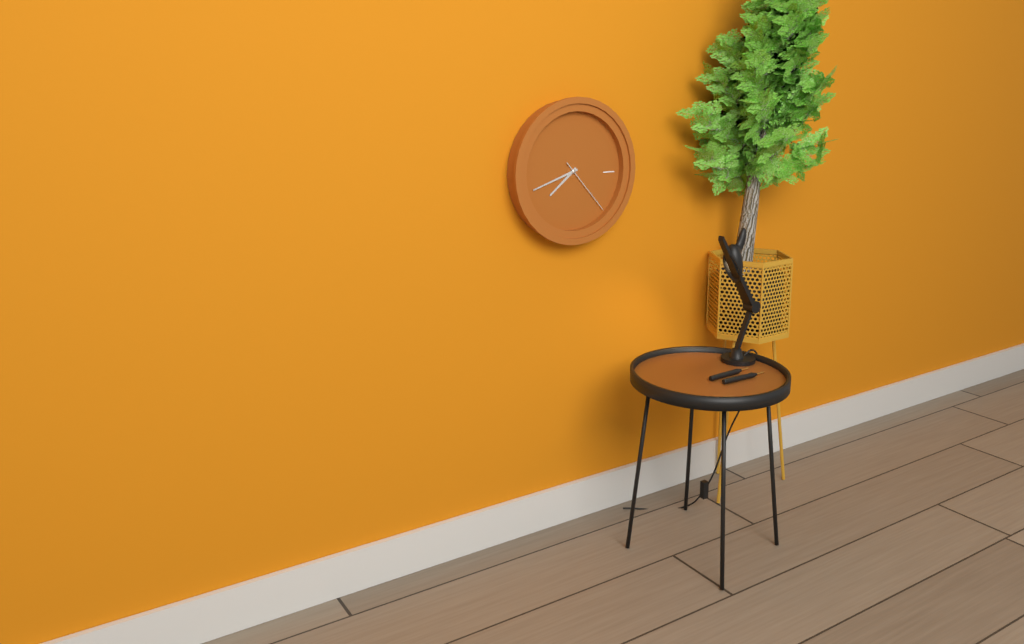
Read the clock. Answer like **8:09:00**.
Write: **7:42:23**
